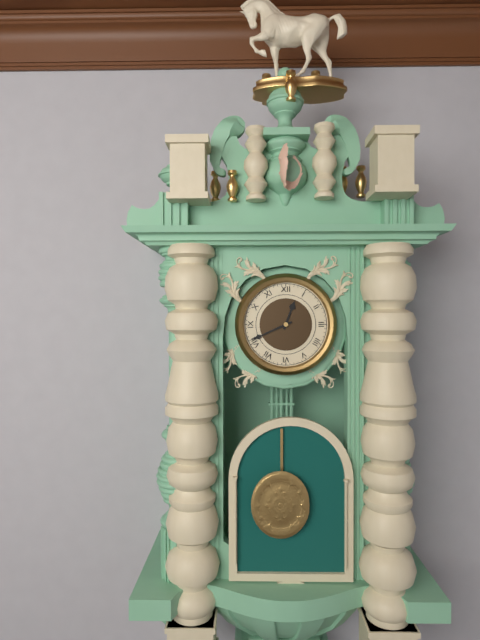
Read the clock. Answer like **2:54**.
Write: **12:41**
